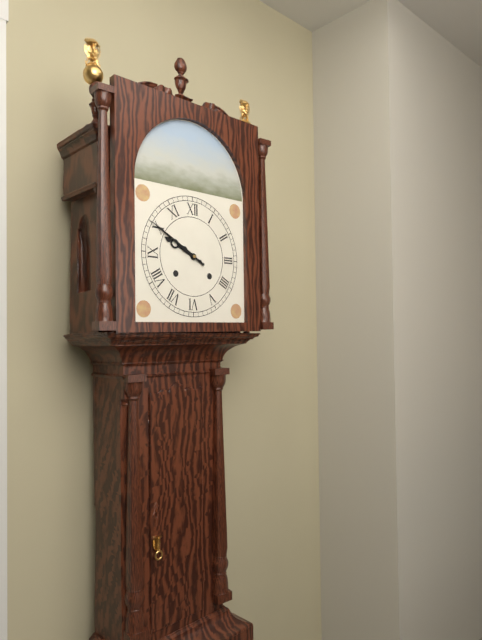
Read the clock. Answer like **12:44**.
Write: **9:50**
